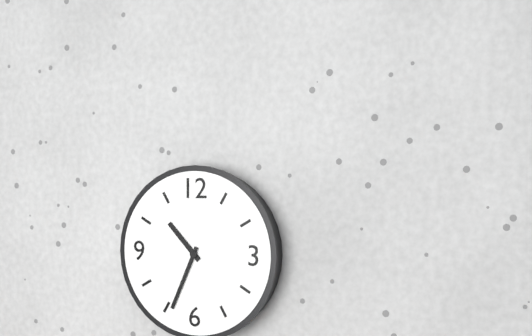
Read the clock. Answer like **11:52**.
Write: **10:34**
